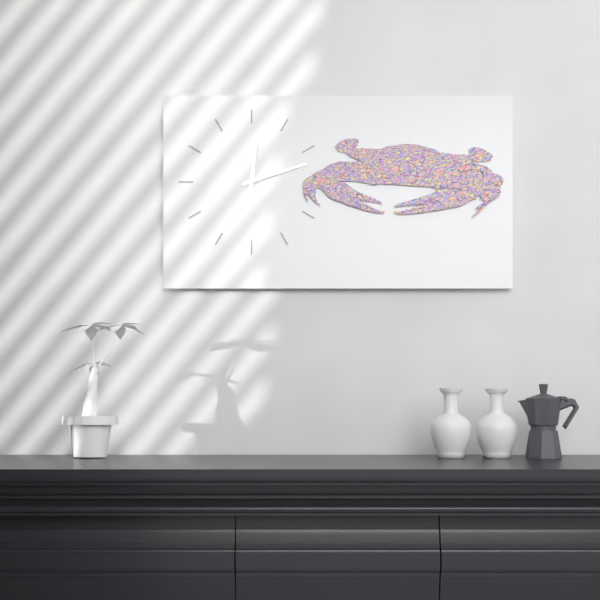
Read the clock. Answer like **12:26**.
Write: **12:12**
